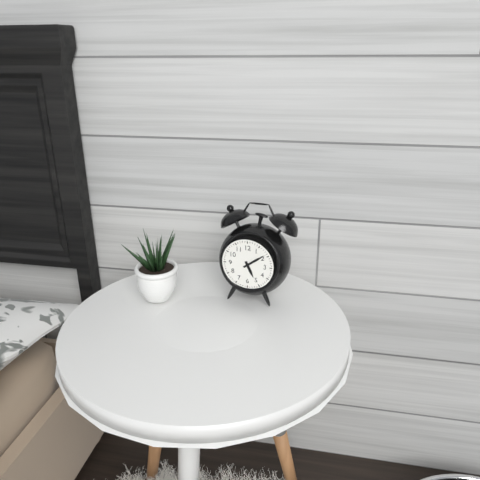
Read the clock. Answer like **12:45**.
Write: **5:09**
